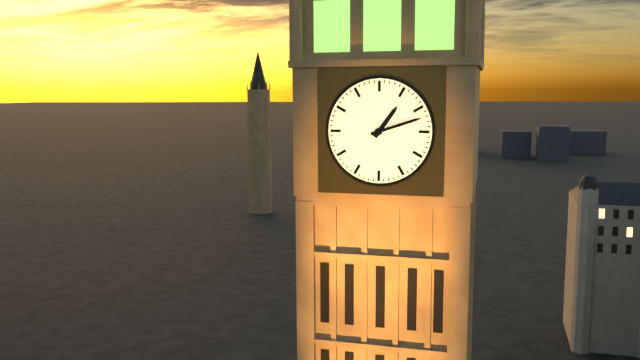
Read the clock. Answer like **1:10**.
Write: **1:12**
